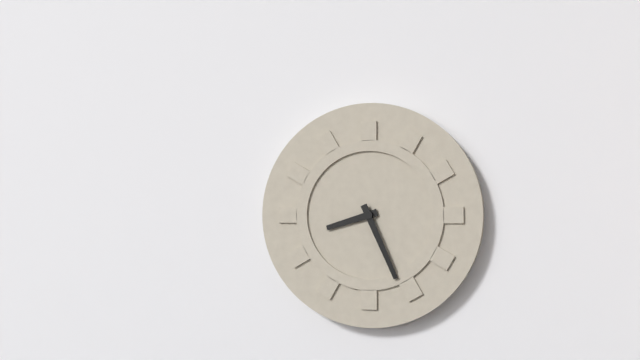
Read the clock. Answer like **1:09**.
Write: **8:26**
